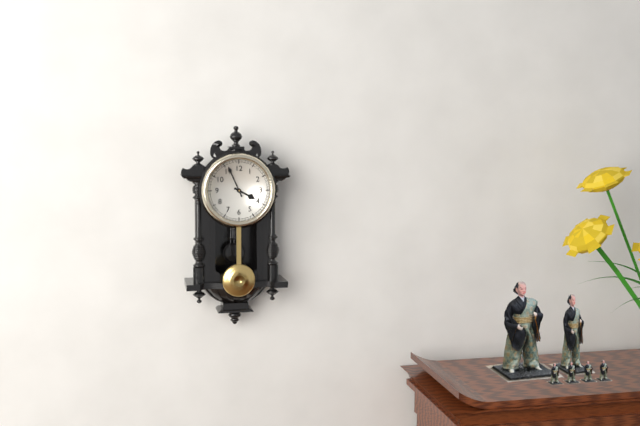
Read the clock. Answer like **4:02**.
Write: **3:56**
